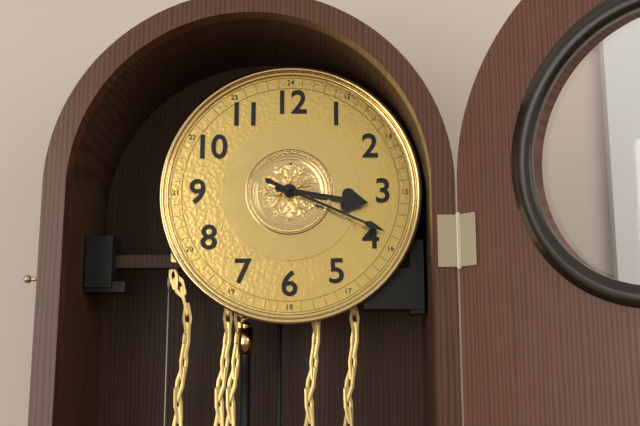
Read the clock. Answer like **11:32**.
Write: **3:19**
